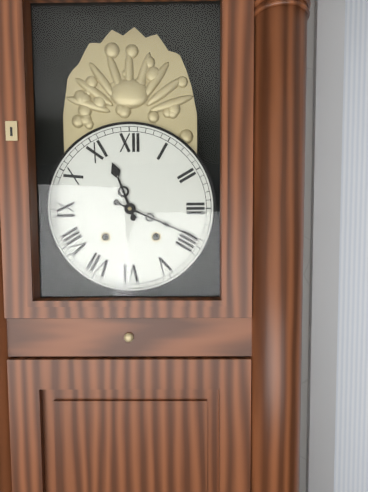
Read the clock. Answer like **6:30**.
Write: **11:19**
